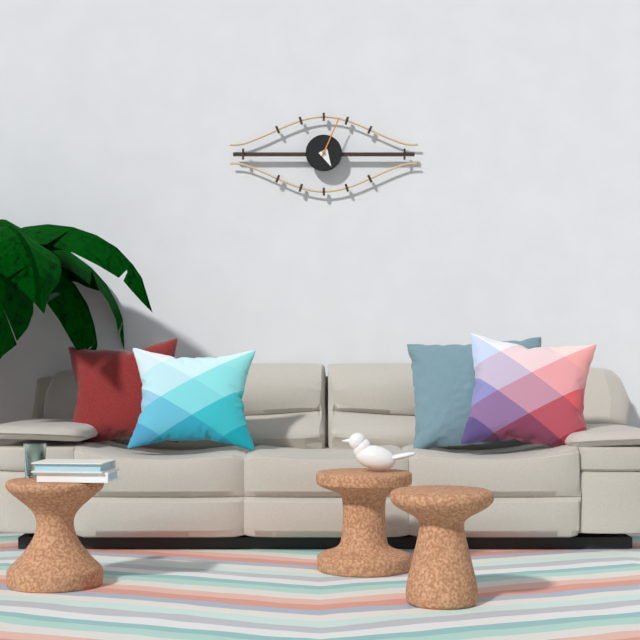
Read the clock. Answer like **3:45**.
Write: **5:04**
